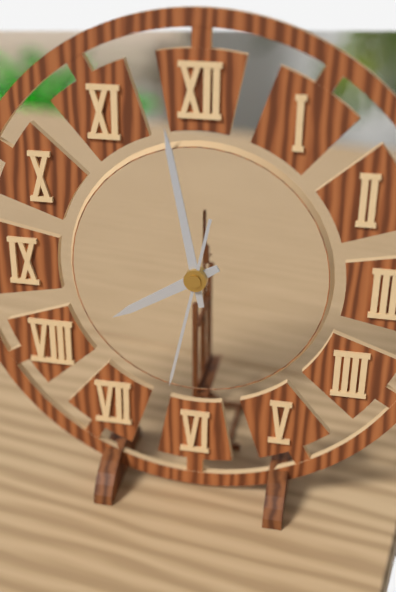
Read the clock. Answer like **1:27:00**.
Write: **7:58:32**
